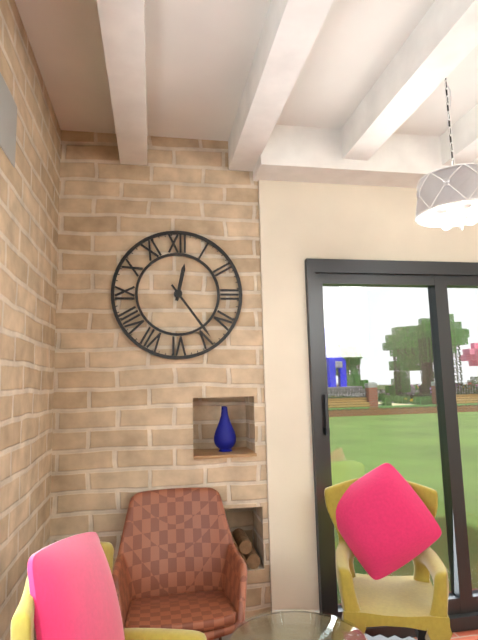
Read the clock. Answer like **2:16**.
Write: **12:24**
